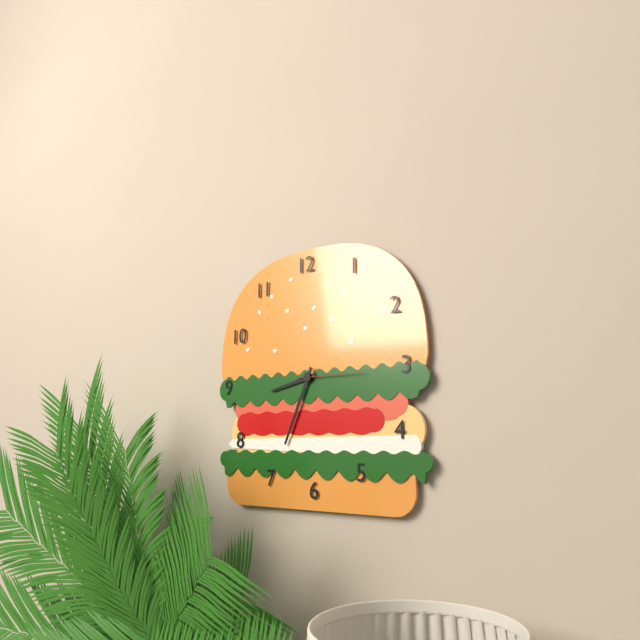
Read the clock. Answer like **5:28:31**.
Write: **8:34:15**
